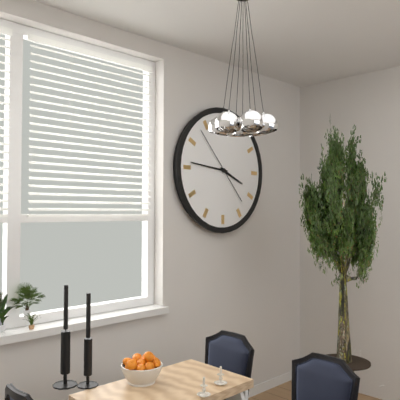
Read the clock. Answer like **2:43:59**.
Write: **3:46:53**
